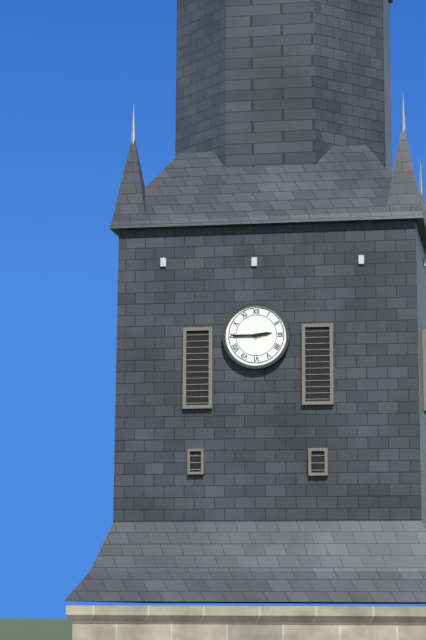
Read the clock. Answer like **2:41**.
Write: **2:45**
